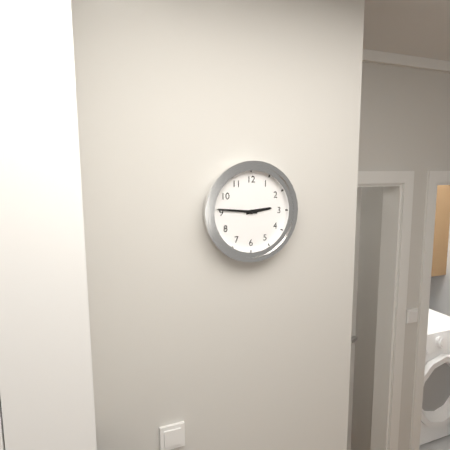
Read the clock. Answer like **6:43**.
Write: **2:46**
